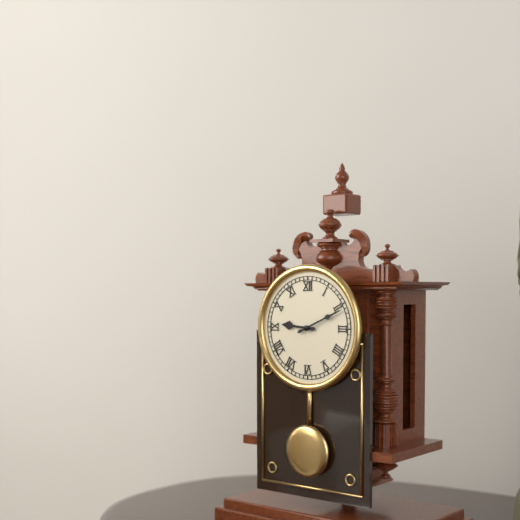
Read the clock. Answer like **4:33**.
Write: **9:11**
